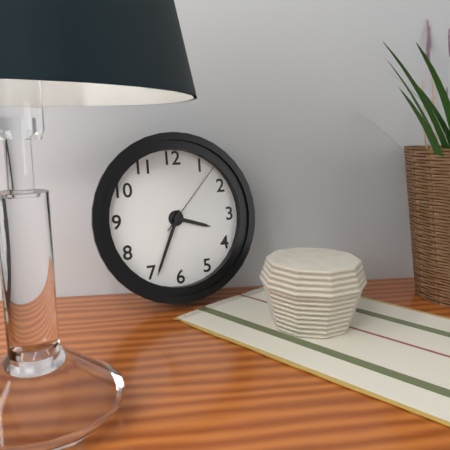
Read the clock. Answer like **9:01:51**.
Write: **3:34:07**
